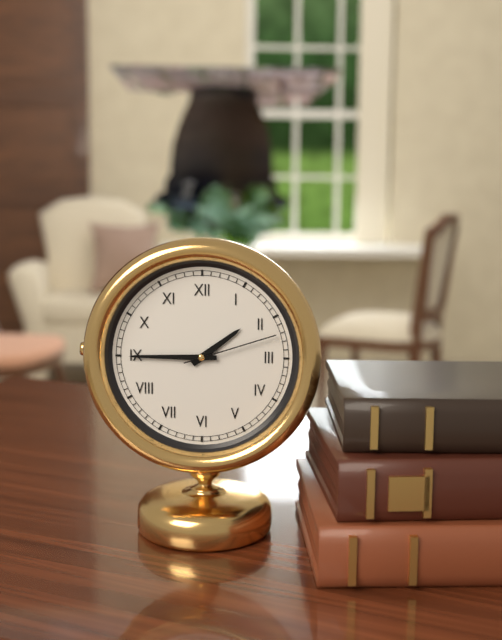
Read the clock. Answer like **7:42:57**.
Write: **1:45:12**
